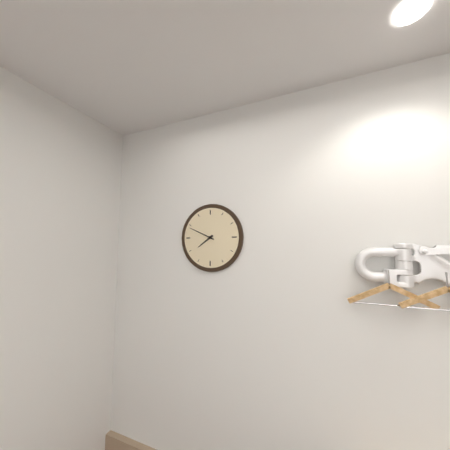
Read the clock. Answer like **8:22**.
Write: **7:49**
